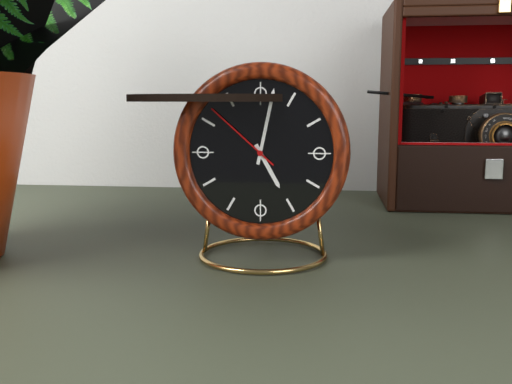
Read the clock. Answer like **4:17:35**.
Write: **5:02:52**
